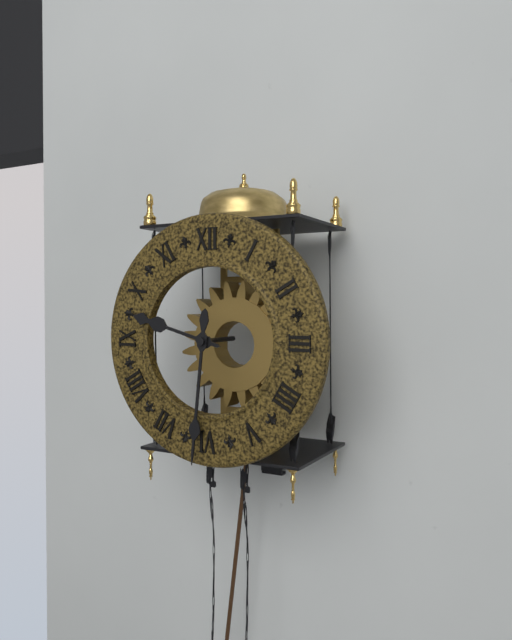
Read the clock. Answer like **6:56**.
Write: **9:31**
